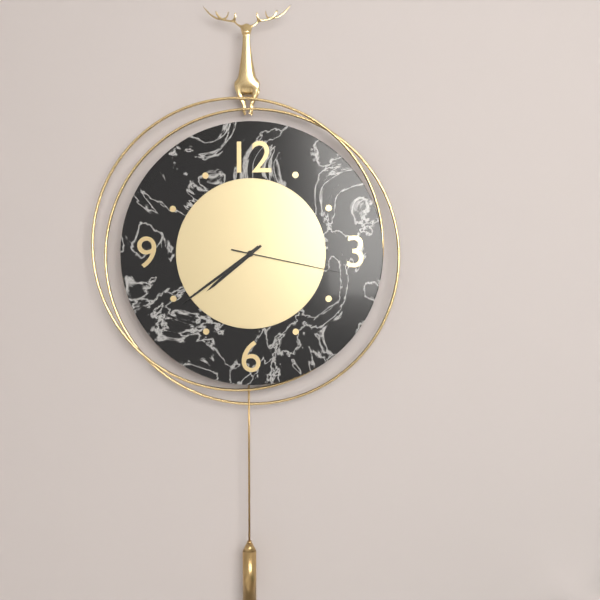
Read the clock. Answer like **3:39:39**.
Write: **7:39:17**
